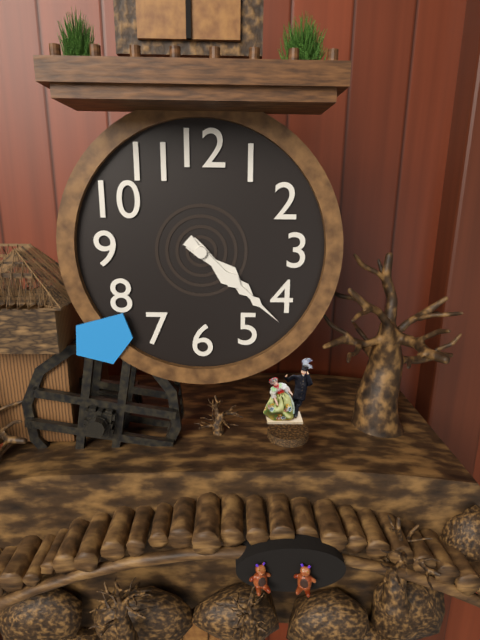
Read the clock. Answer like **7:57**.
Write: **4:22**
